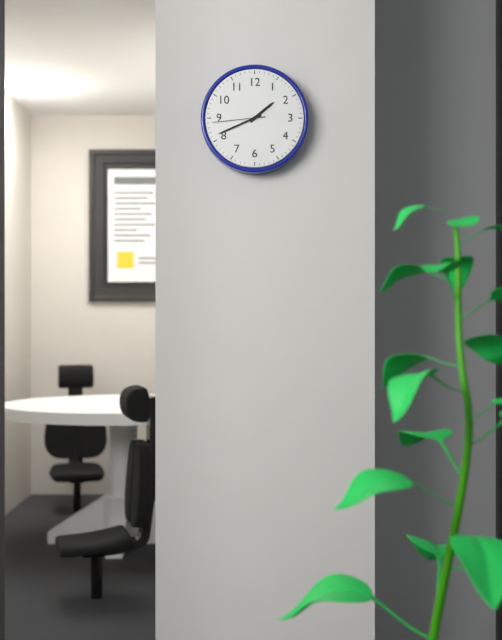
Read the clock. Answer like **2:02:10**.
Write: **1:41:44**
